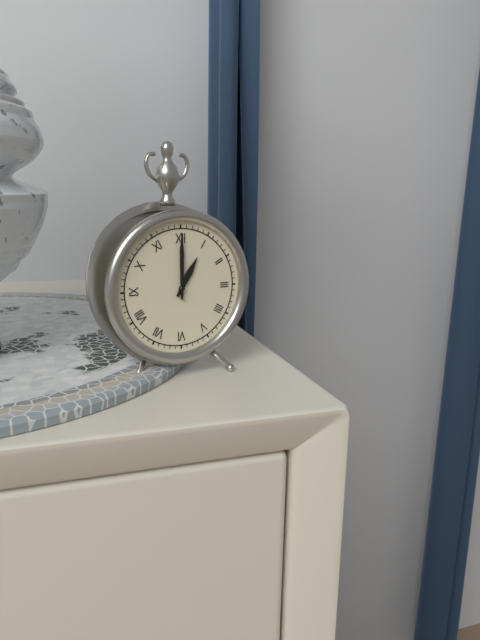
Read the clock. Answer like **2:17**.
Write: **1:00**
